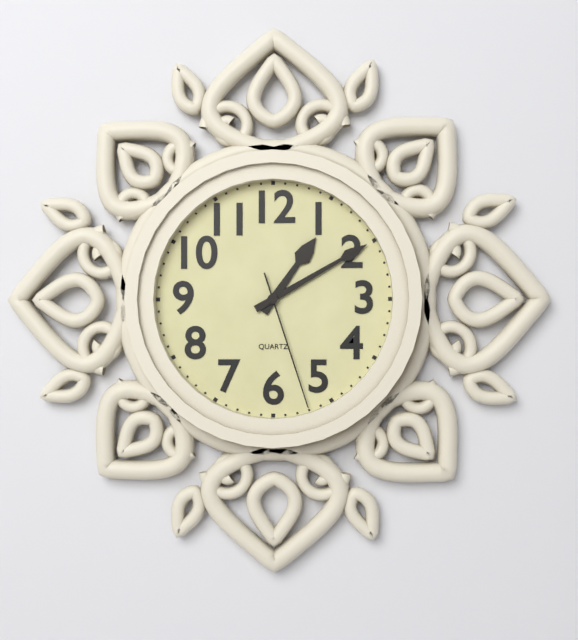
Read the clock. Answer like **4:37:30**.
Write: **1:10:27**
